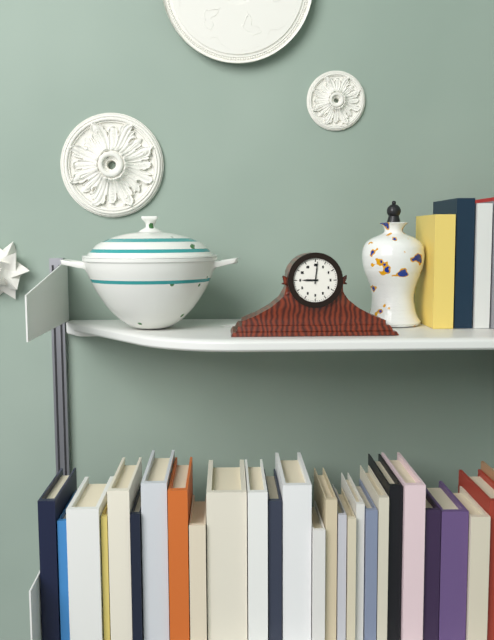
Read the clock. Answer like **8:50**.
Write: **9:01**
